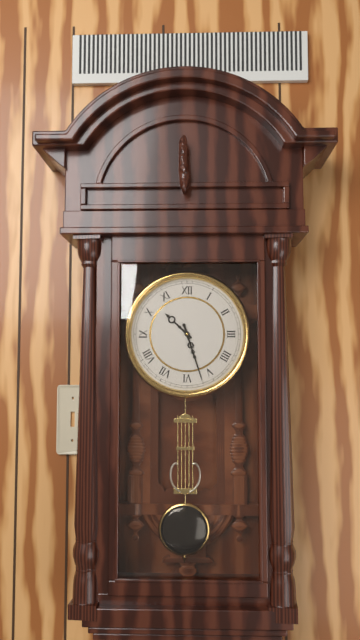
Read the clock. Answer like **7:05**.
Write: **10:27**
